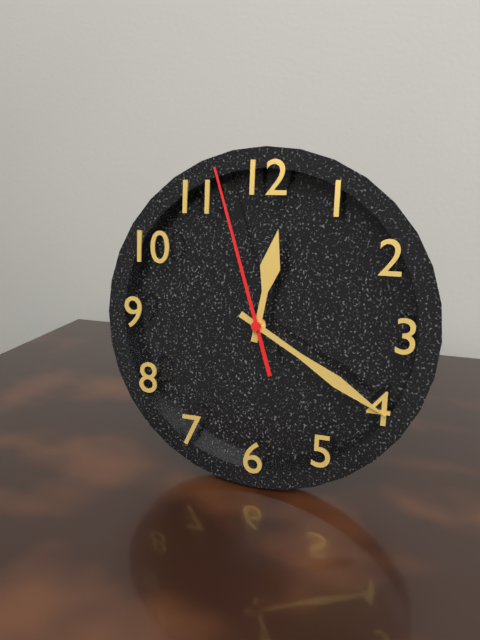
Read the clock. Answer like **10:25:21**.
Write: **12:20:57**
